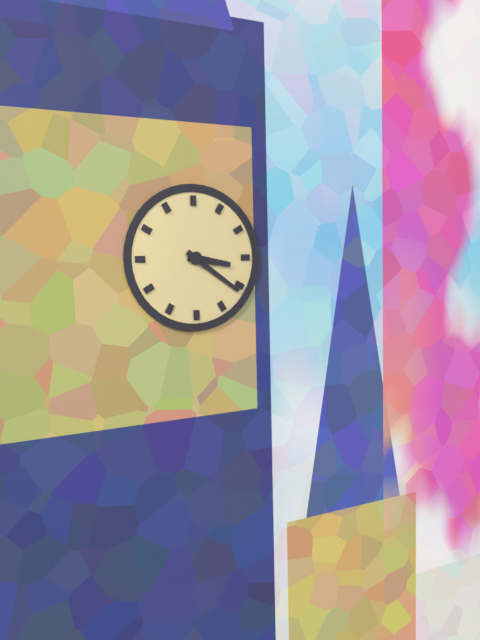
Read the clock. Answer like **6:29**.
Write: **3:21**
